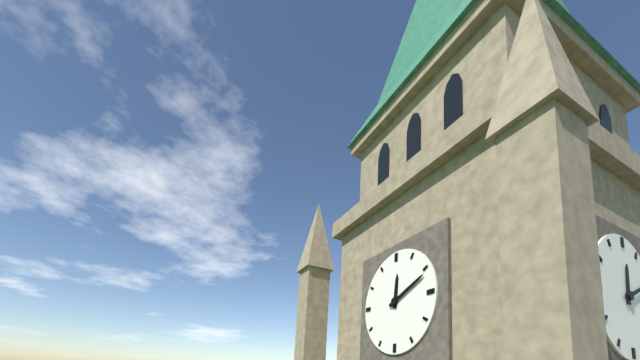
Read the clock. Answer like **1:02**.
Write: **12:11**
